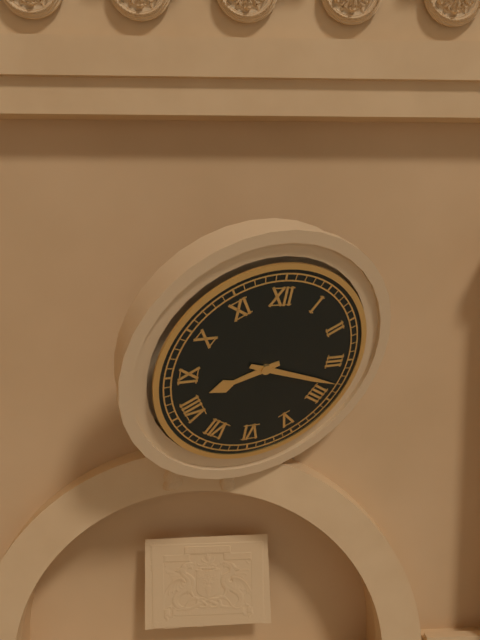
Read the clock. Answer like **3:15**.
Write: **8:18**
